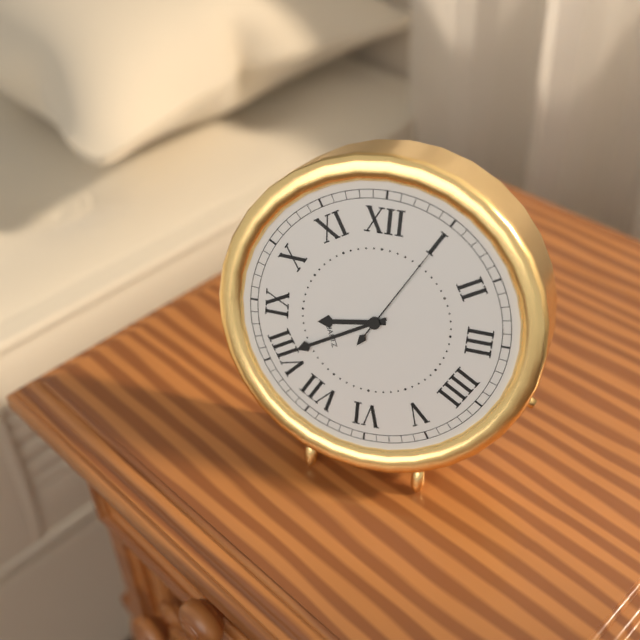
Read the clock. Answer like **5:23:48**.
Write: **8:40:05**
